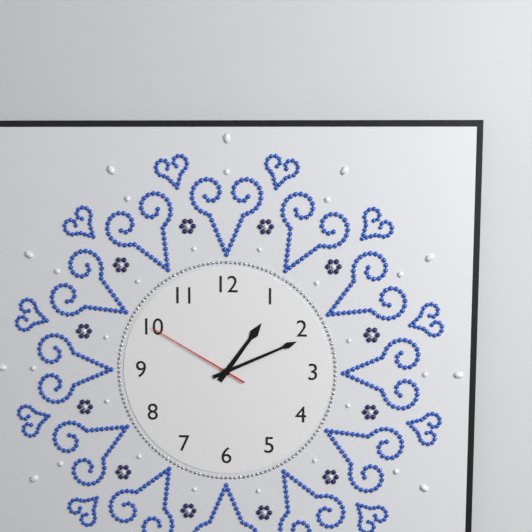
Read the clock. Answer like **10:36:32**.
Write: **1:11:50**
